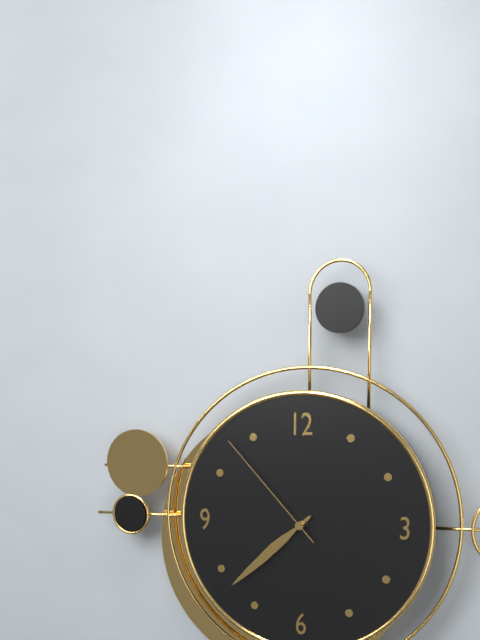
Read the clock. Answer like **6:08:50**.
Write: **7:38:53**
